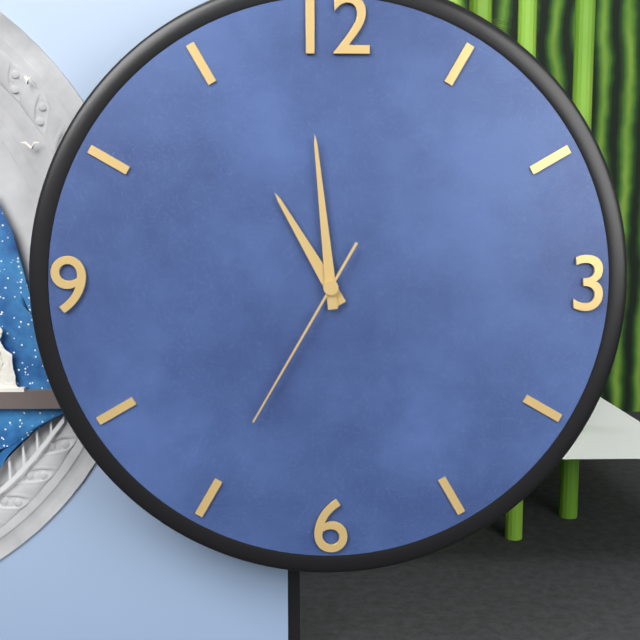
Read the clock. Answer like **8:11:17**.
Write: **10:59:35**
